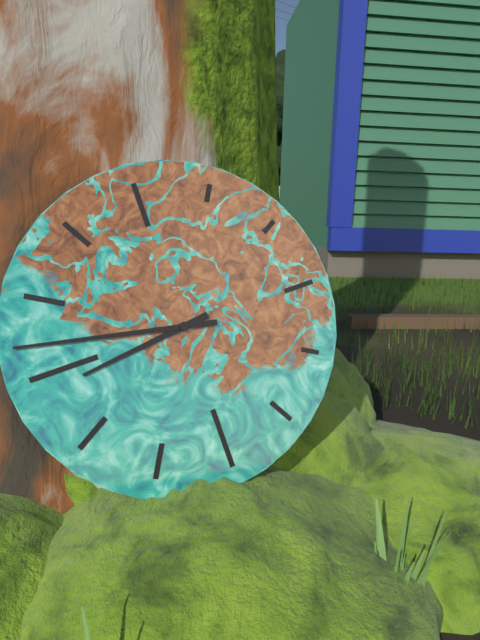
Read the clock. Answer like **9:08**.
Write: **8:47**
